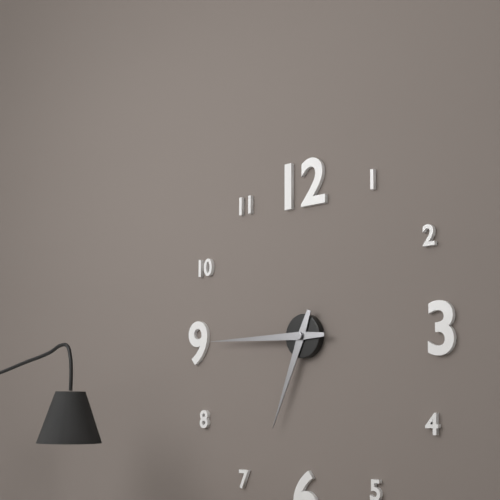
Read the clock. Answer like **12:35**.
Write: **6:45**
